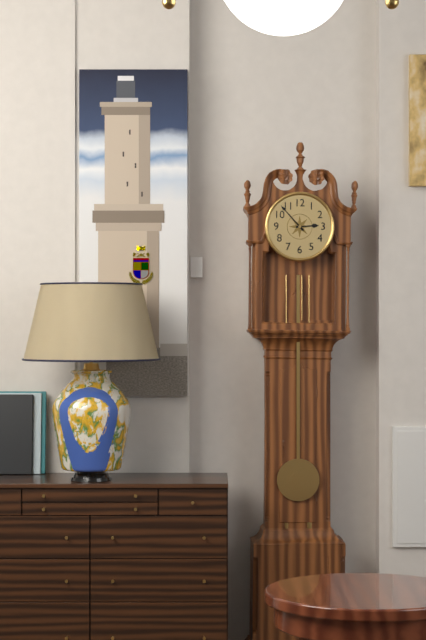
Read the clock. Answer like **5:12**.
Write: **2:53**
